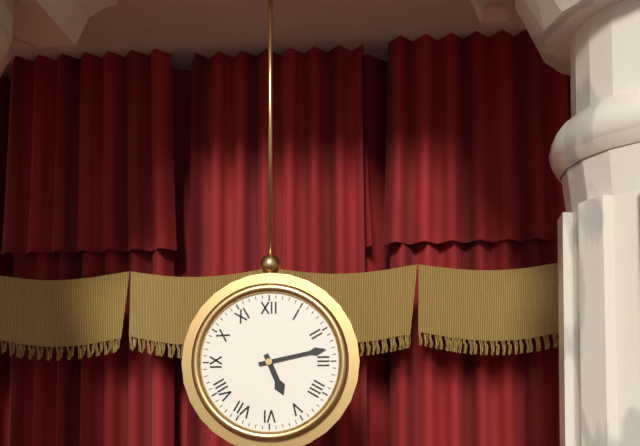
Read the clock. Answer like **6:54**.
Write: **5:13**
